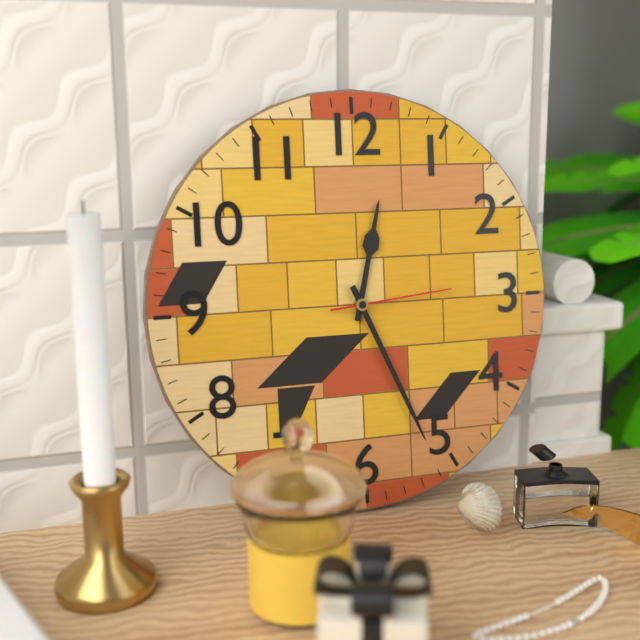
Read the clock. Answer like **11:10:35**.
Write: **12:26:14**
